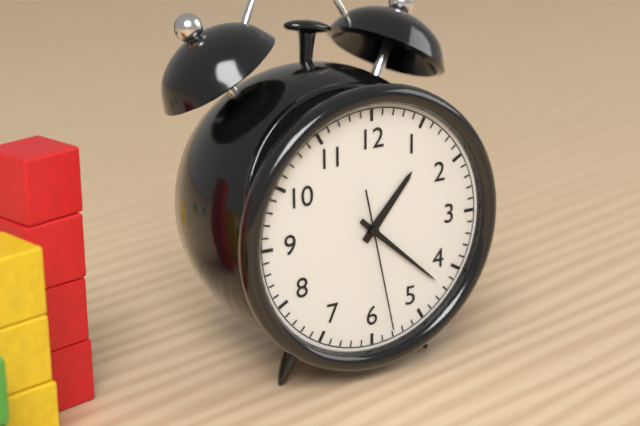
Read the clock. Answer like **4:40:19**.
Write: **1:22:28**
